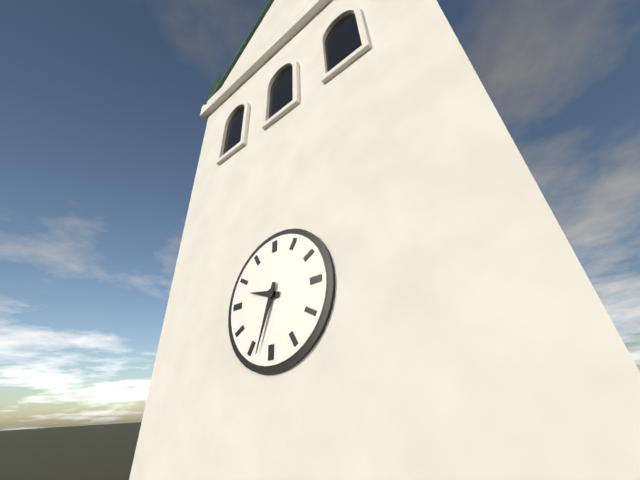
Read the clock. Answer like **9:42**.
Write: **9:33**
